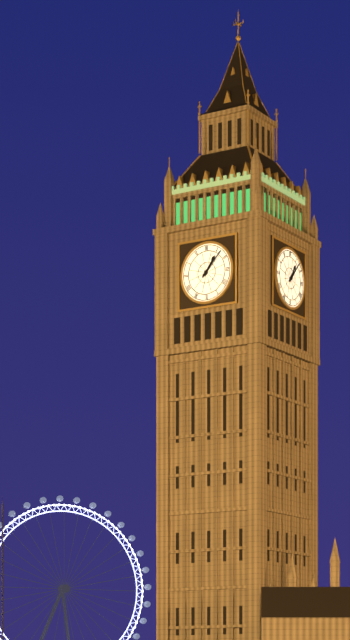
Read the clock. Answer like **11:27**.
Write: **1:07**
